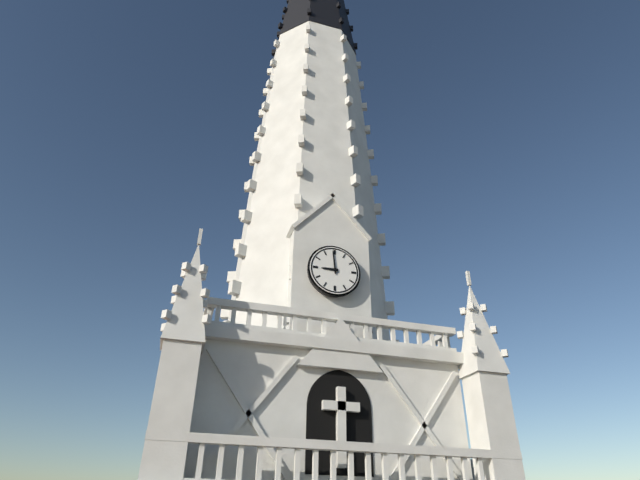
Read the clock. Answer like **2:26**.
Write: **8:59**
